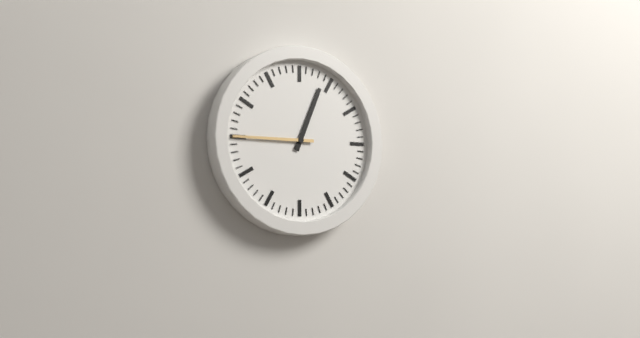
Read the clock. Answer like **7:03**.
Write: **12:45**
